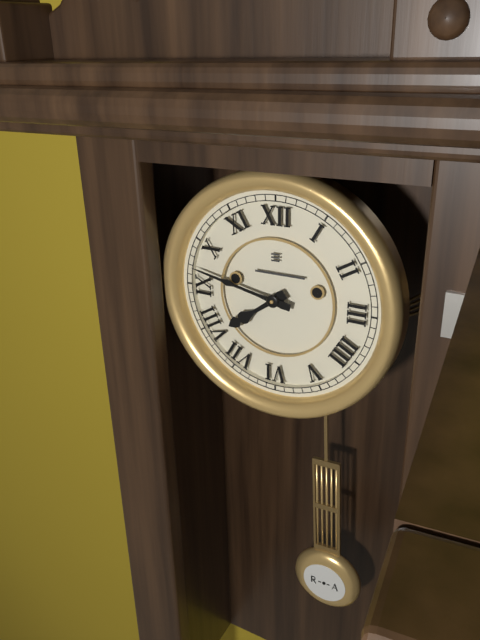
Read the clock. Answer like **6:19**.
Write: **7:47**
